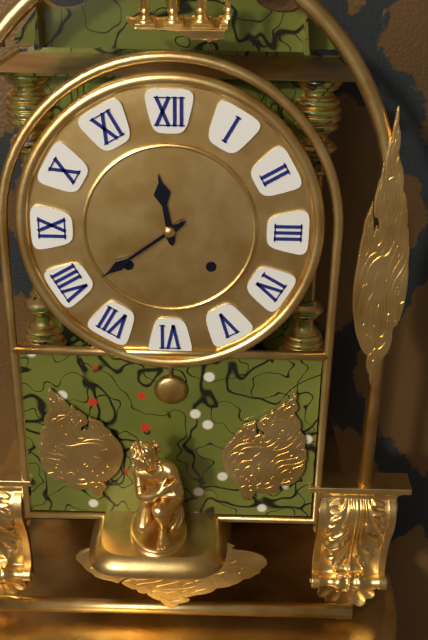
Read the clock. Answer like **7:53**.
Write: **11:39**
